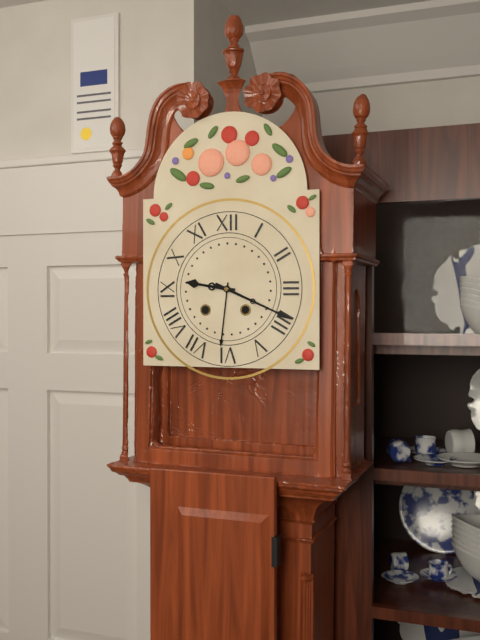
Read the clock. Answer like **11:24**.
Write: **9:19**
